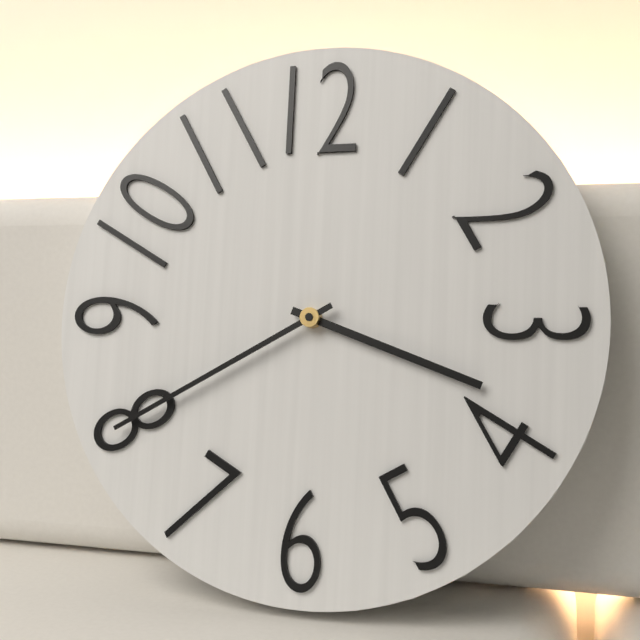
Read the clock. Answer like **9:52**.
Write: **3:40**
